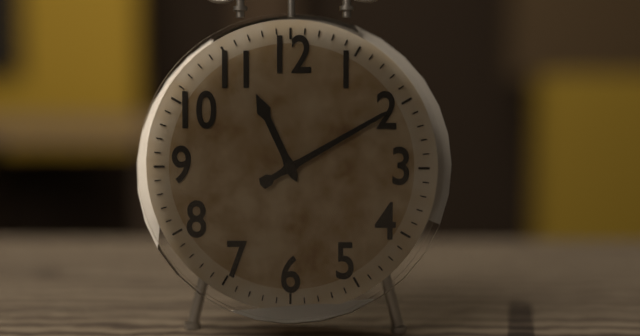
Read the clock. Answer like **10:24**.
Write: **11:10**
